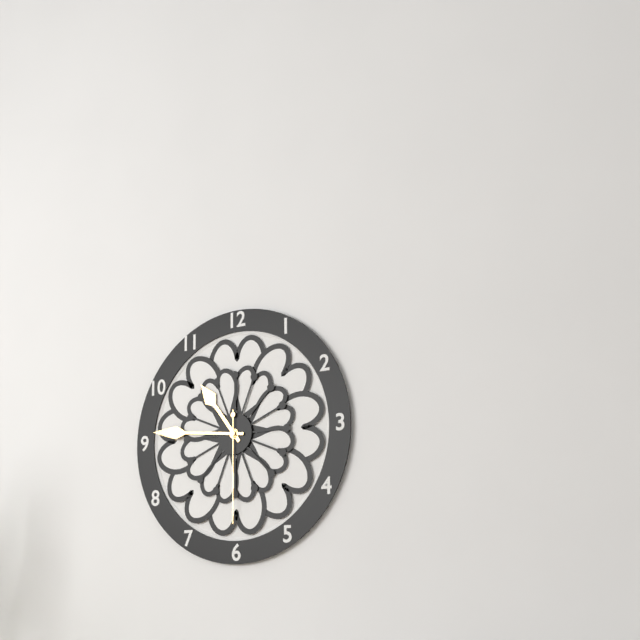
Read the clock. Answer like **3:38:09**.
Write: **10:46:30**
